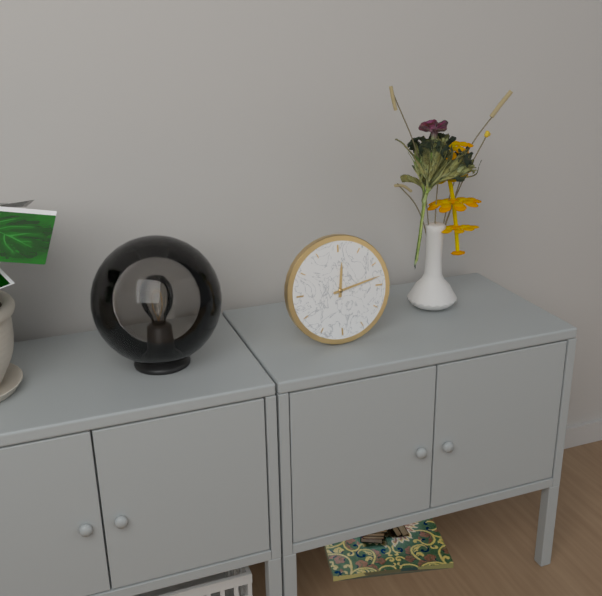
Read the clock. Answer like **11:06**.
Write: **12:13**
